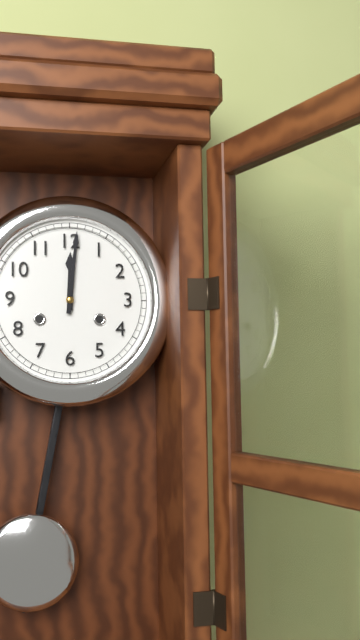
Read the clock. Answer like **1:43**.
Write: **12:01**
